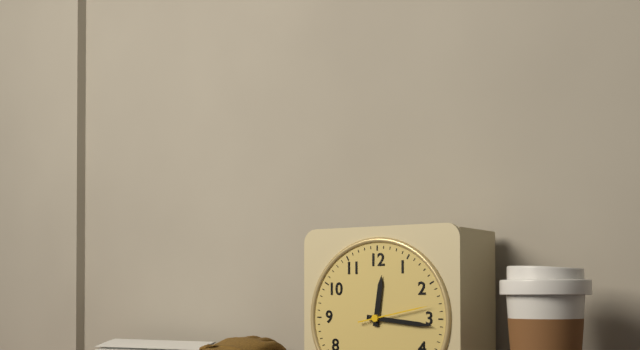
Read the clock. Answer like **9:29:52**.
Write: **12:16:13**
